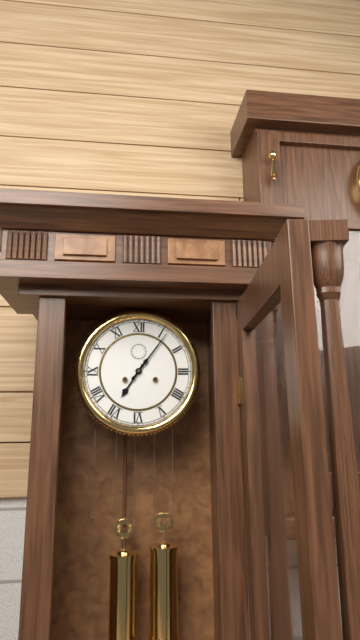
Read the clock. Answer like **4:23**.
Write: **7:06**
